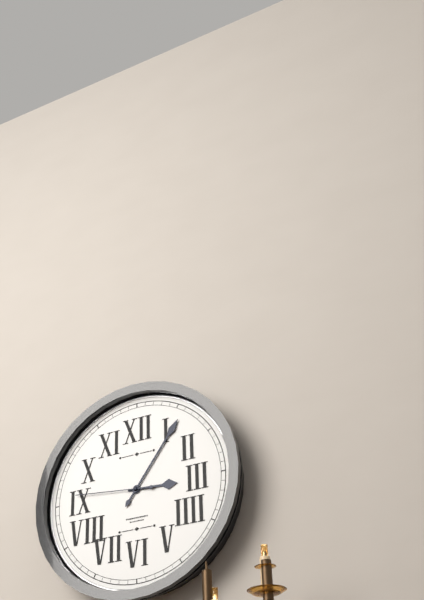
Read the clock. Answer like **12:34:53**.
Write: **3:06:46**
